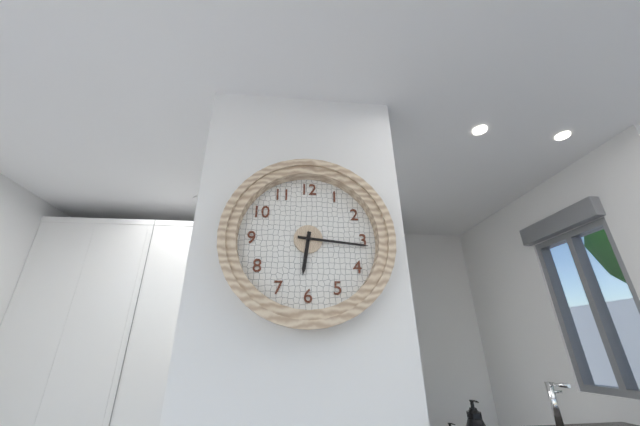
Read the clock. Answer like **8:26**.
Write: **6:16**
